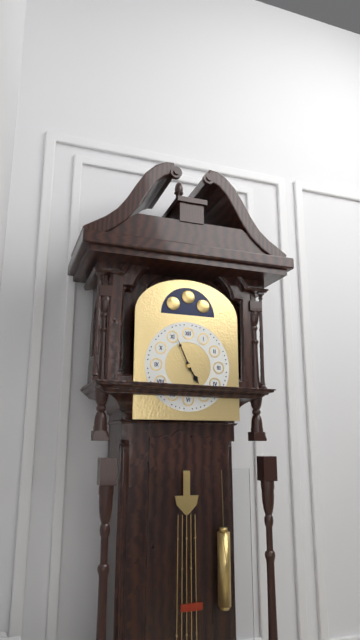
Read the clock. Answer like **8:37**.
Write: **4:56**
